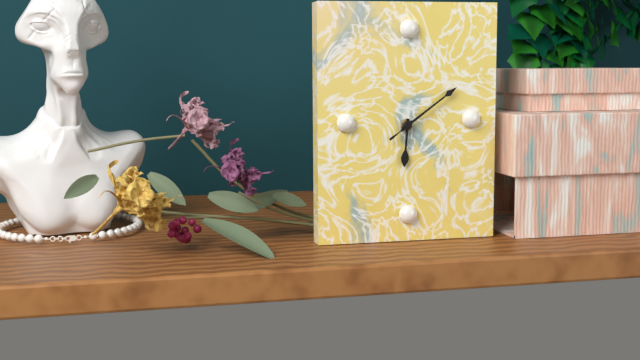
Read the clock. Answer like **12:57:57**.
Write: **6:09:09**
